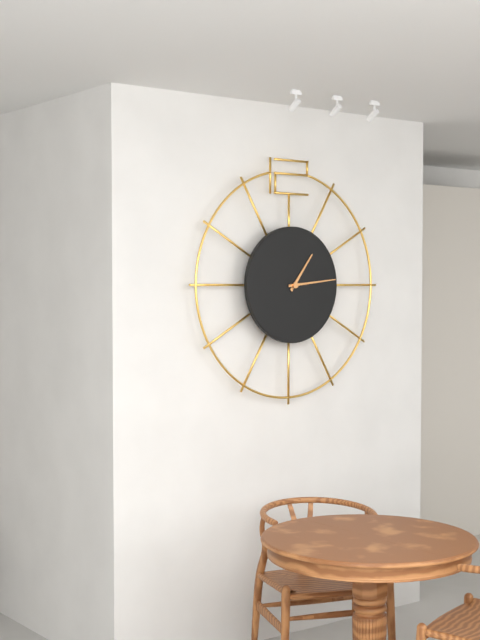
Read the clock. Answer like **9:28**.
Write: **1:14**
